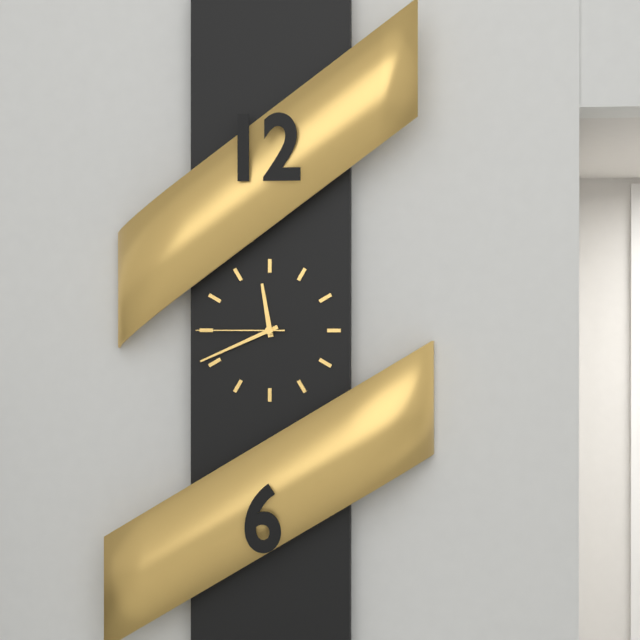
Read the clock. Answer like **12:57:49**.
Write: **11:41:45**
